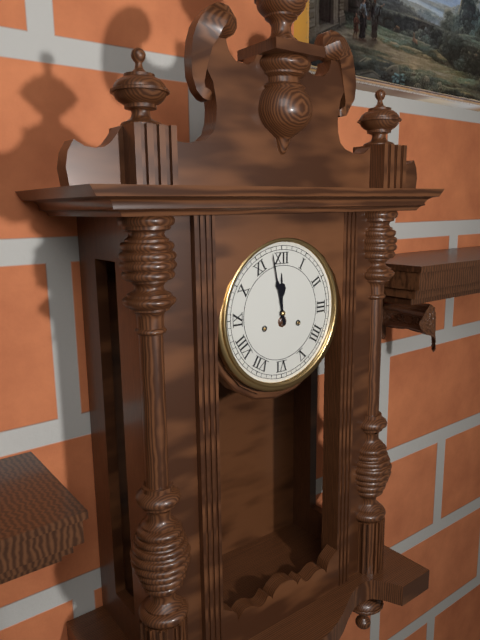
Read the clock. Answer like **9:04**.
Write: **11:58**
